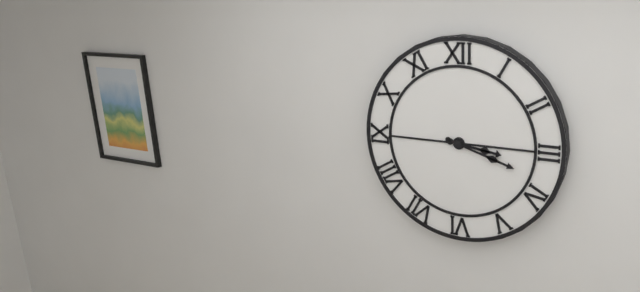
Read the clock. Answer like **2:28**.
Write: **3:18**
